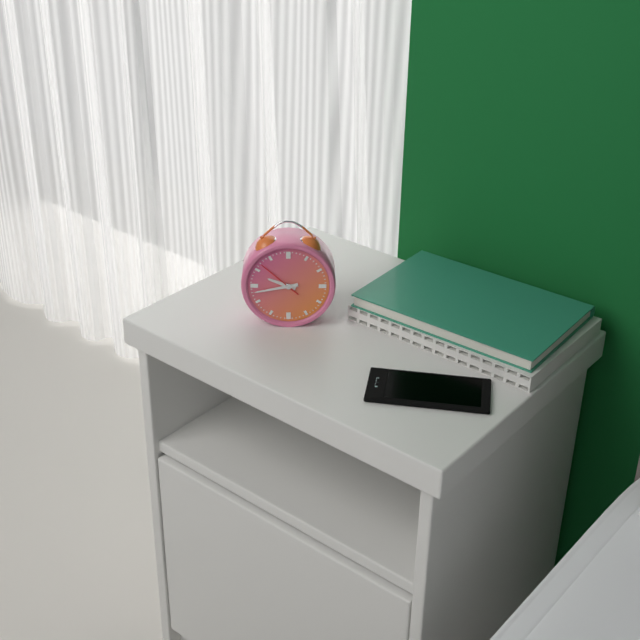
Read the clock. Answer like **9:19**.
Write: **9:43**
